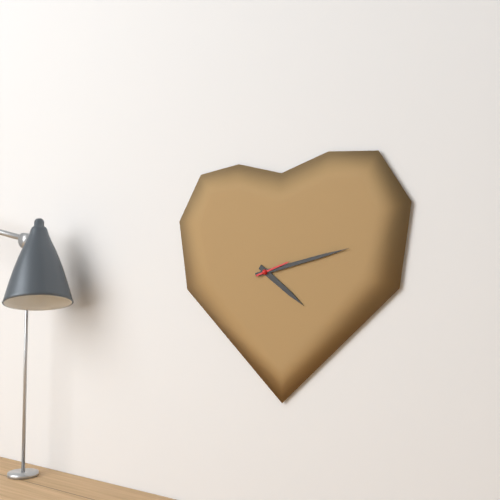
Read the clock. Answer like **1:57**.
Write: **4:13**
